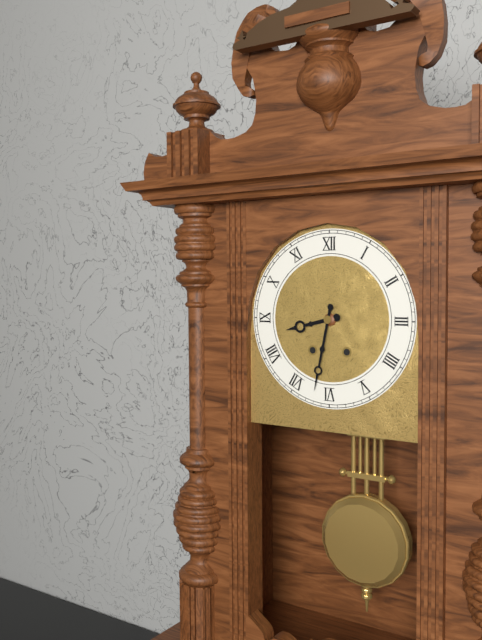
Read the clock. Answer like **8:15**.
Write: **8:32**
